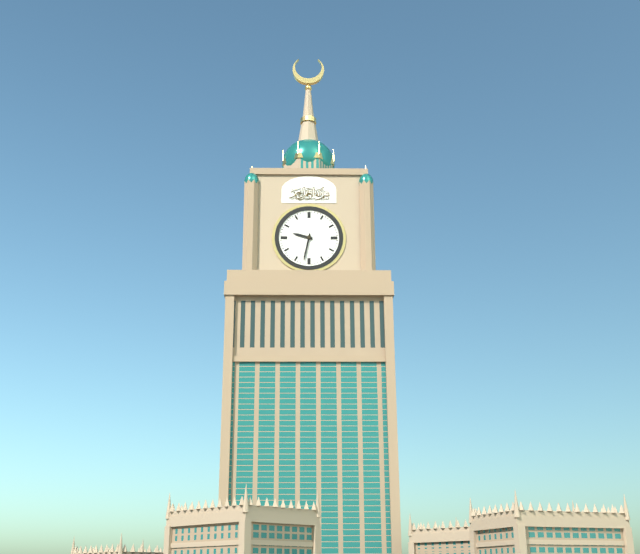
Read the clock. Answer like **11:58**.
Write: **9:32**
